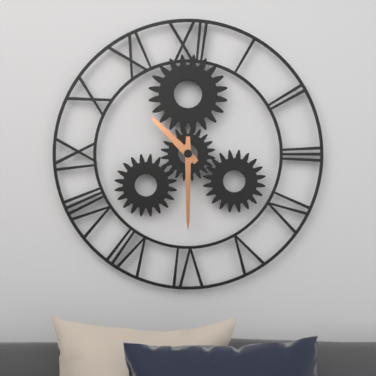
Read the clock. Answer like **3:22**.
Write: **10:30**
